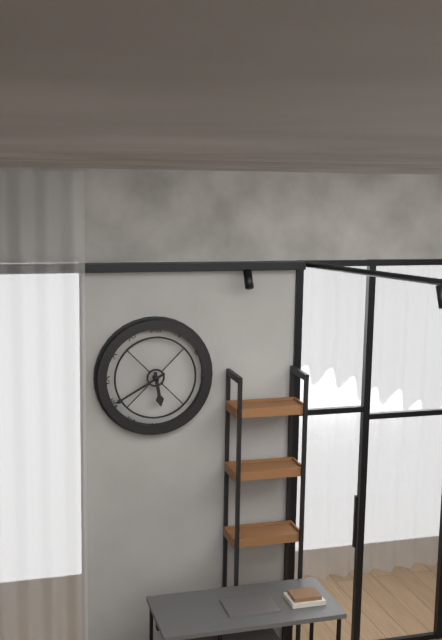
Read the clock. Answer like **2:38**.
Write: **5:40**
